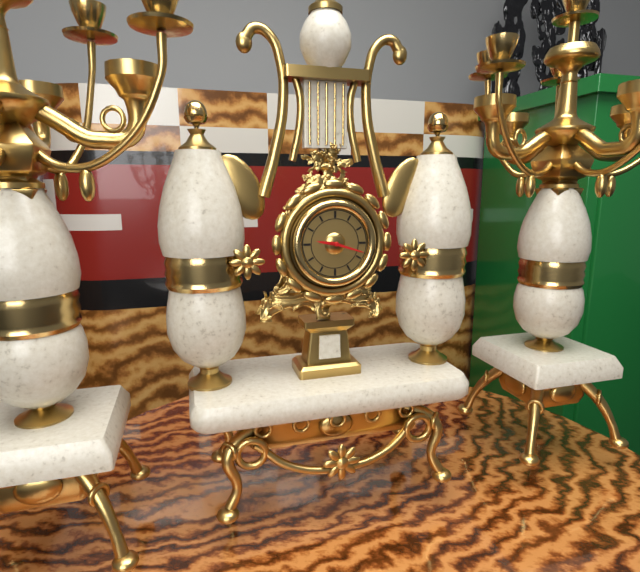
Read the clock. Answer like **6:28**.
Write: **9:18**
